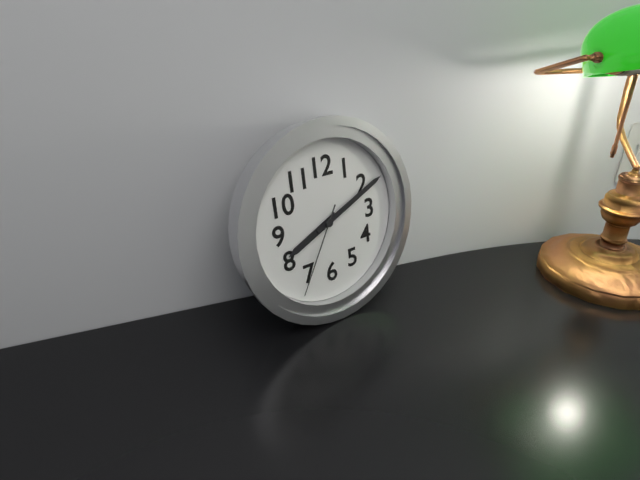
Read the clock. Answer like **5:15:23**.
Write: **8:11:35**
